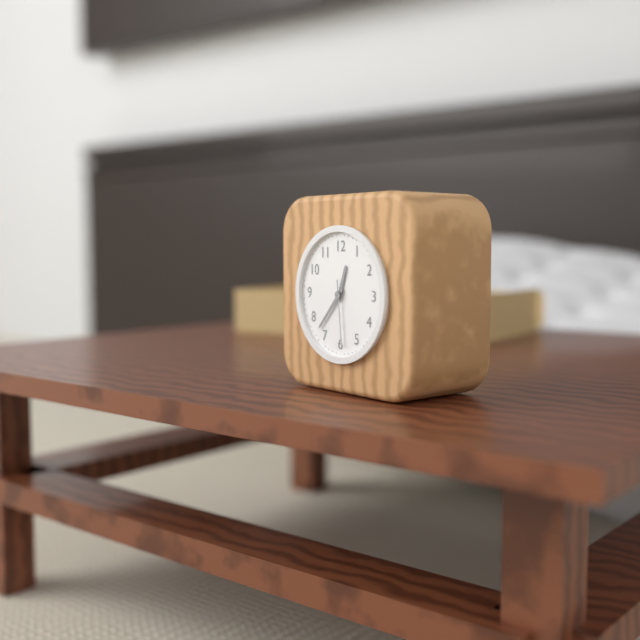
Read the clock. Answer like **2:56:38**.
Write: **12:37:29**
